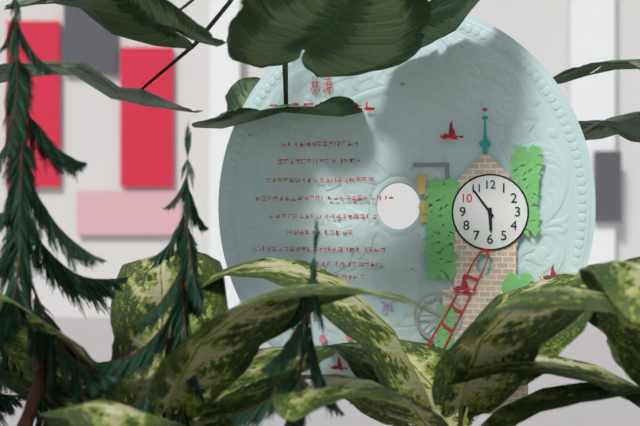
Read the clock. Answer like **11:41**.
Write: **5:54**
